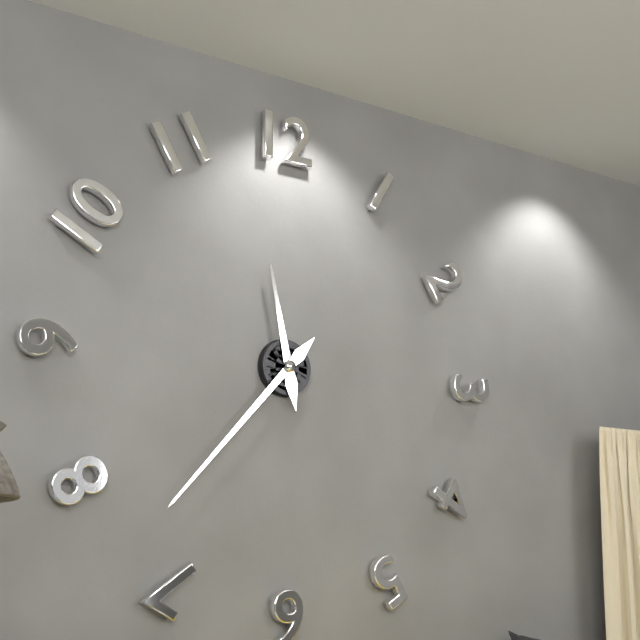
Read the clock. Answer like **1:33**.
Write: **11:37**
